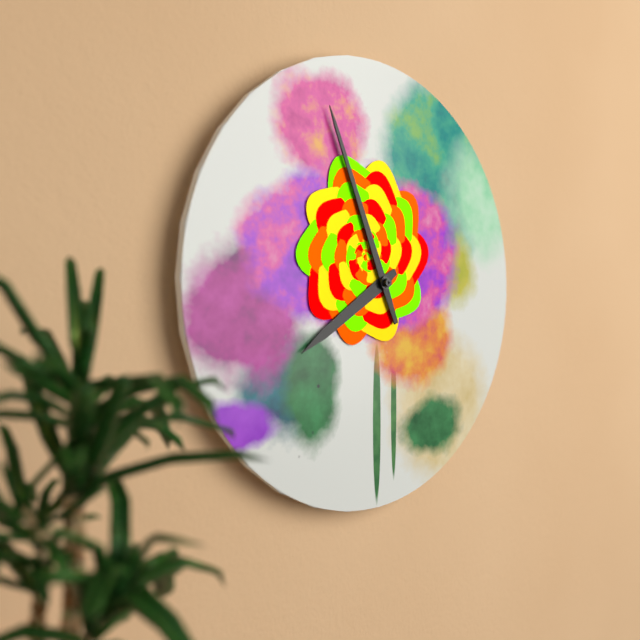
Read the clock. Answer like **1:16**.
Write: **7:56**
